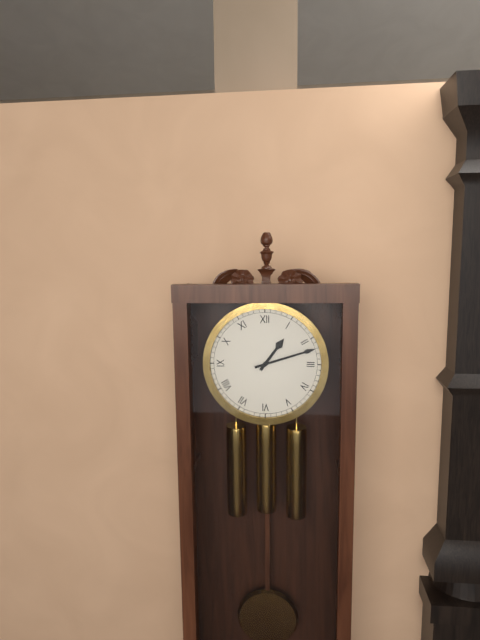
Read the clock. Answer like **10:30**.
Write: **1:12**
